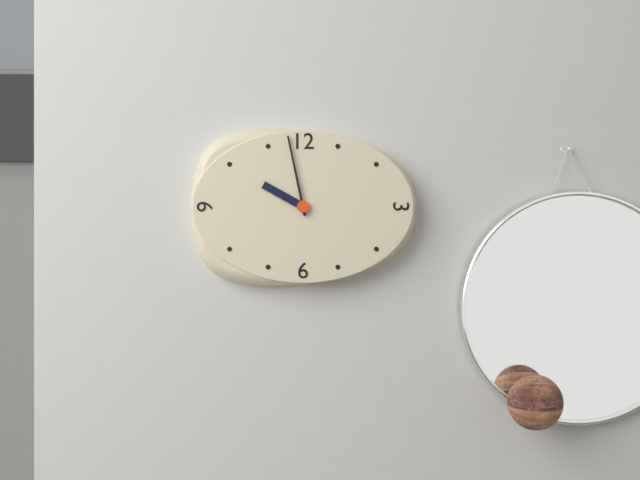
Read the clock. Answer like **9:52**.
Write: **9:58**
